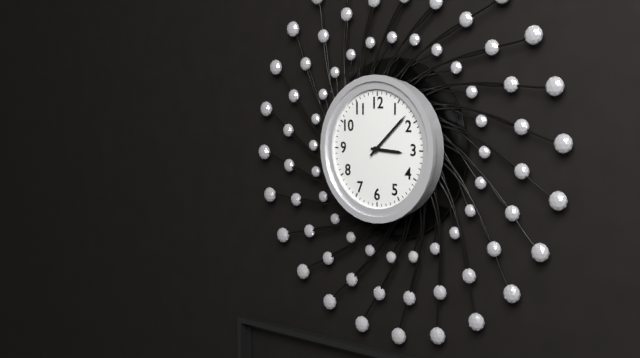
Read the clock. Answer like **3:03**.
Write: **3:08**
